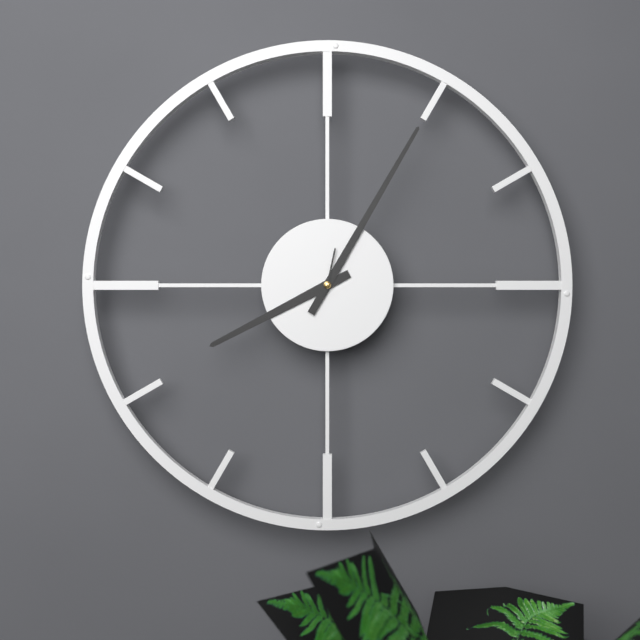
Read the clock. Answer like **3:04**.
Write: **8:05**
